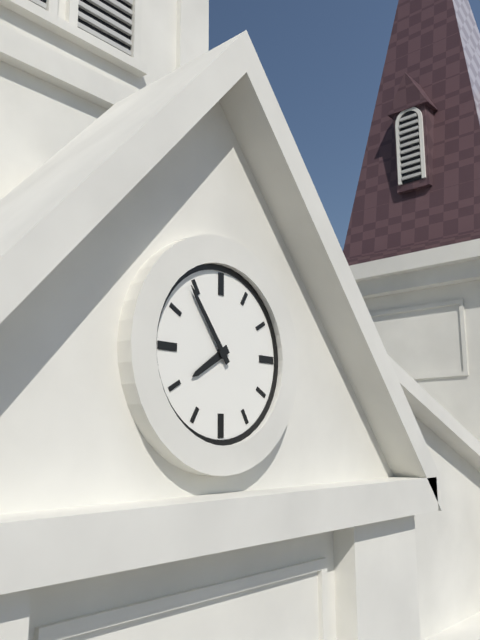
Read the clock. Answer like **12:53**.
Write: **7:54**
